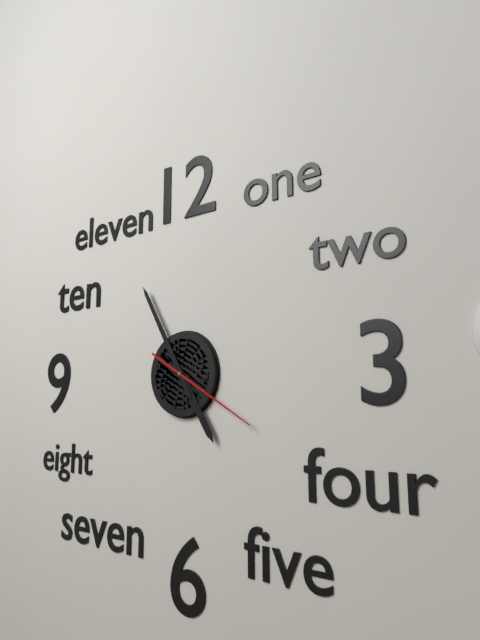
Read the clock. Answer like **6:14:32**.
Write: **4:55:20**
